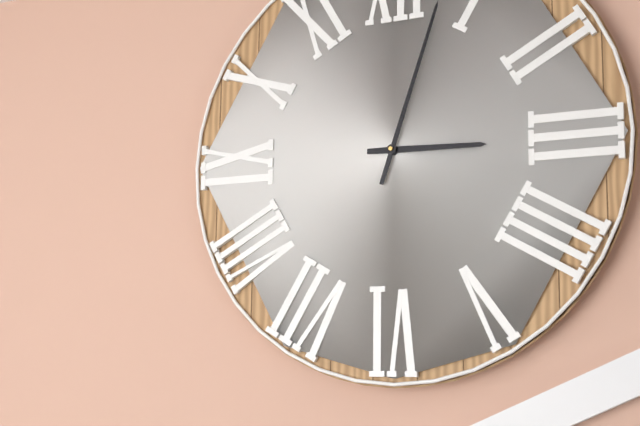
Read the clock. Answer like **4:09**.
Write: **3:03**
